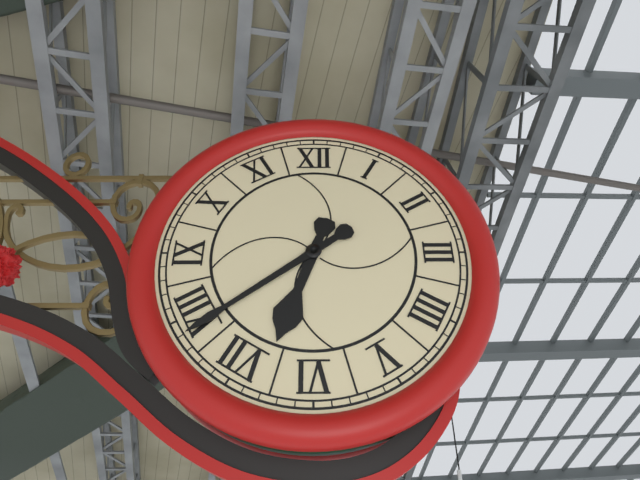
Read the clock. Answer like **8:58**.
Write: **6:39**
